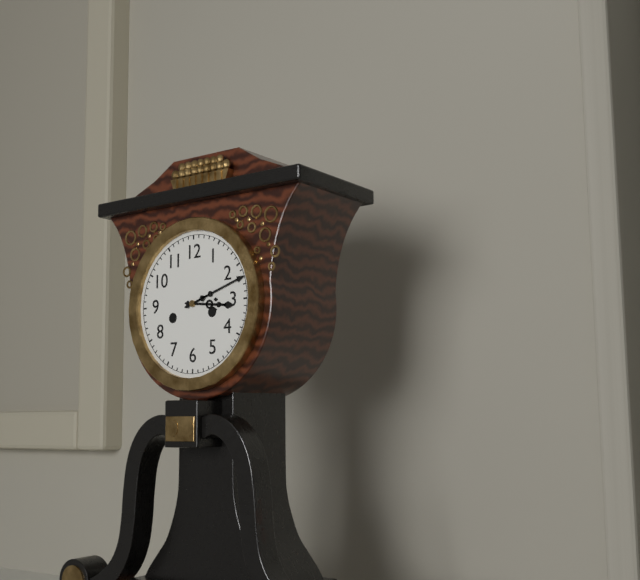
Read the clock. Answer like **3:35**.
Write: **3:12**
